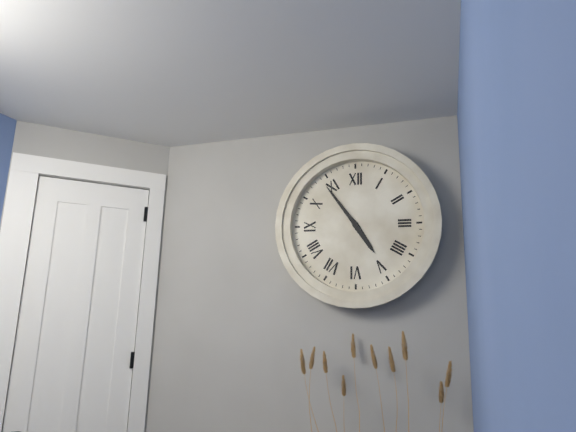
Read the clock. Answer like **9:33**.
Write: **4:54**
